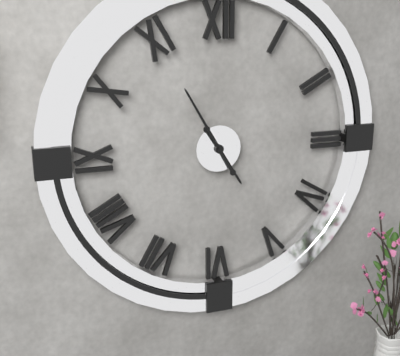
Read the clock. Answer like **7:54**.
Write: **4:55**
